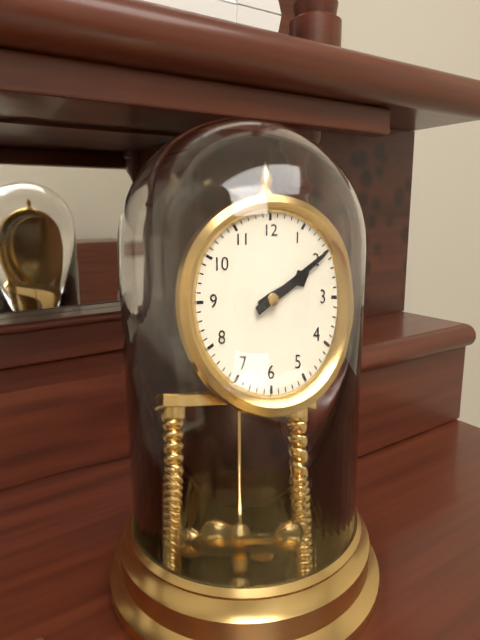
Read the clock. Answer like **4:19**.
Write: **2:10**
